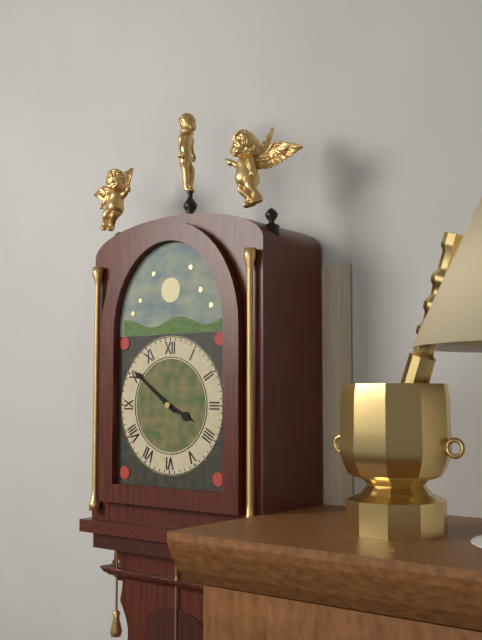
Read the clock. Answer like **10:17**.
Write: **3:51**
